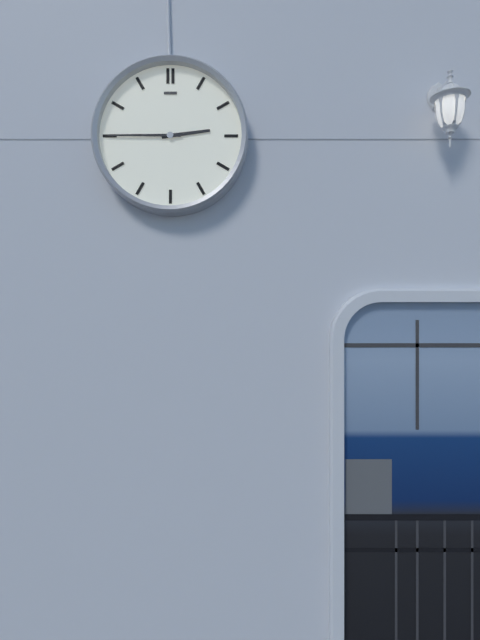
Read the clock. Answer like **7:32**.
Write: **2:45**
